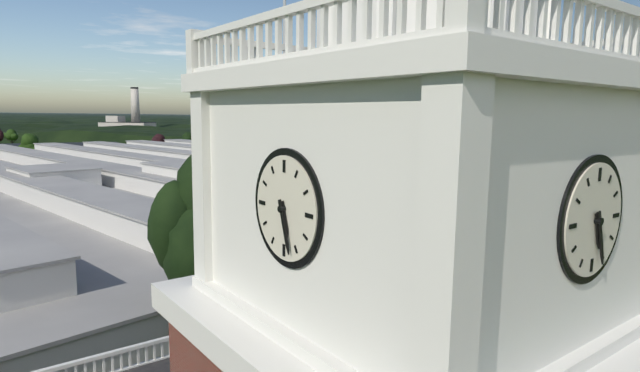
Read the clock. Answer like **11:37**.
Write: **5:27**
